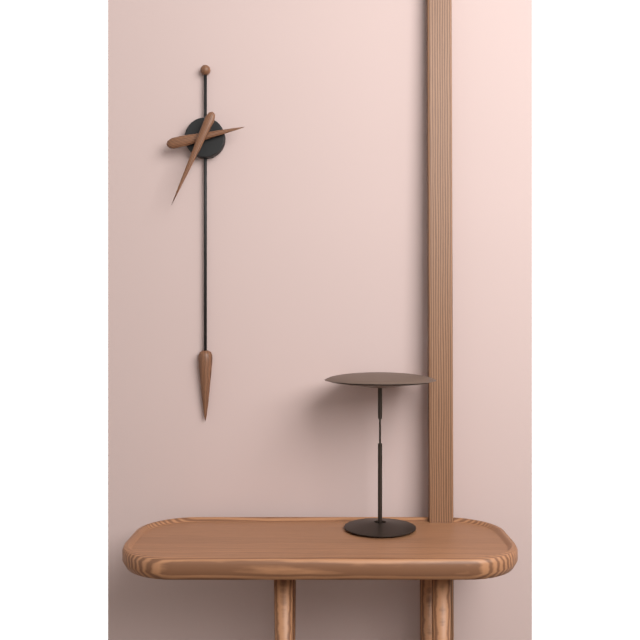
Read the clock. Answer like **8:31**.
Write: **2:34**
